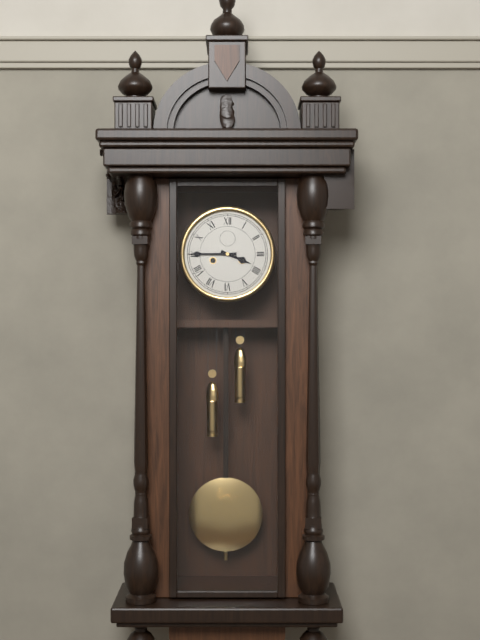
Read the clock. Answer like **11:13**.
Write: **3:45**
